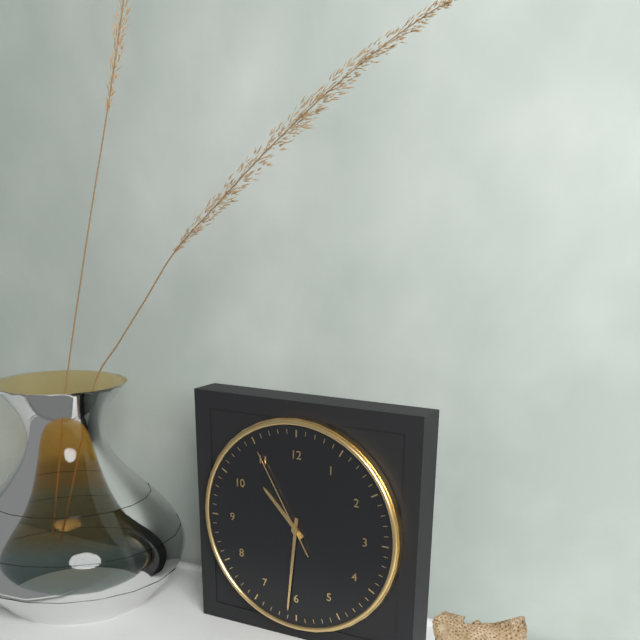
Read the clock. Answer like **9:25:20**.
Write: **10:31:55**
